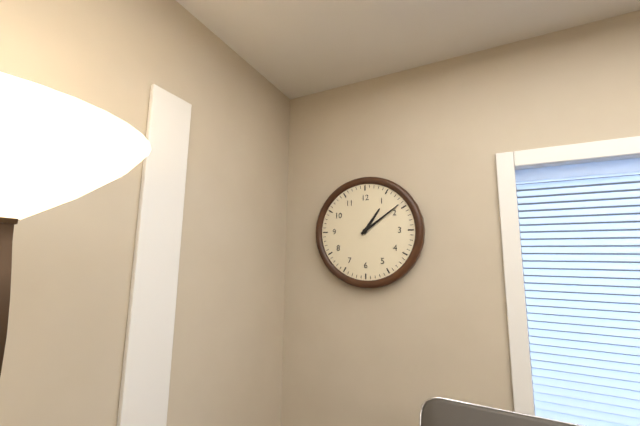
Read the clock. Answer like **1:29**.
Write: **1:09**
